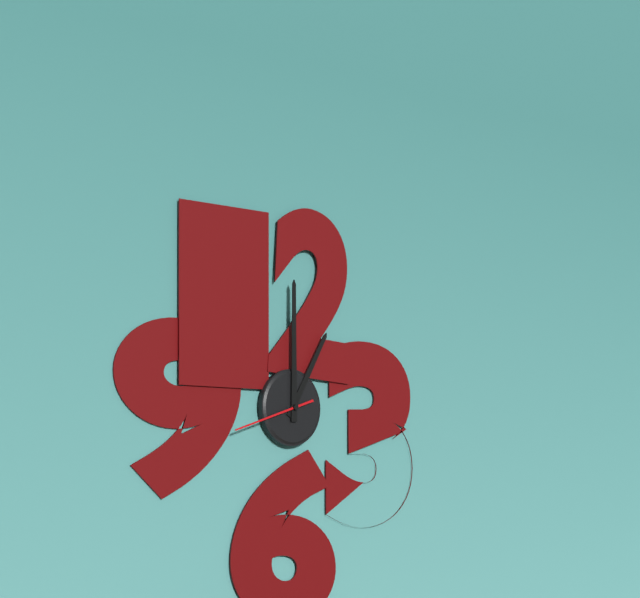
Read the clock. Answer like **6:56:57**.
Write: **1:00:42**
